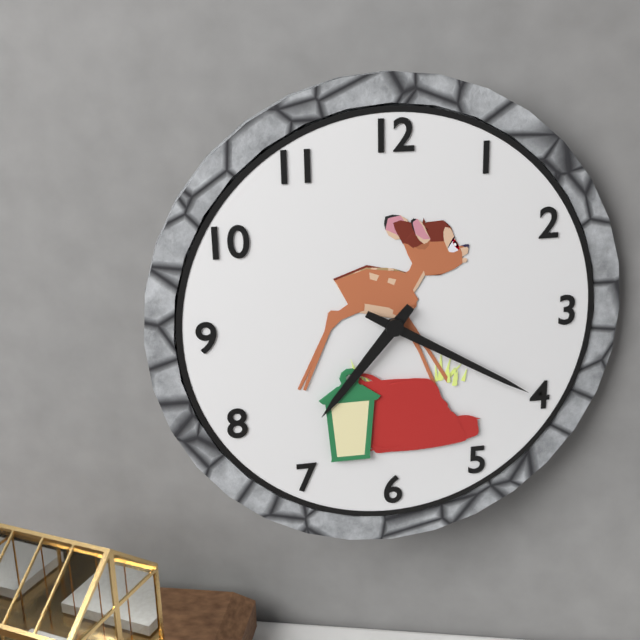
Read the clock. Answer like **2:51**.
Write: **7:20**
